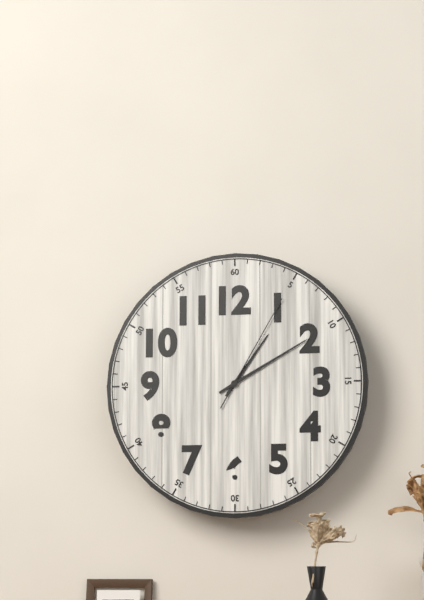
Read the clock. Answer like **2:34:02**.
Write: **1:10:05**
